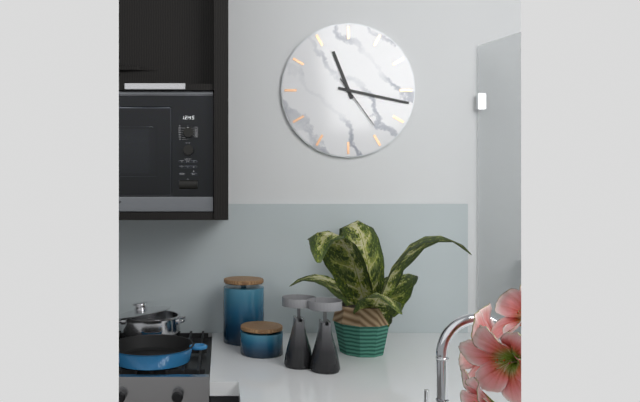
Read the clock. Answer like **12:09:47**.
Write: **11:17:24**
